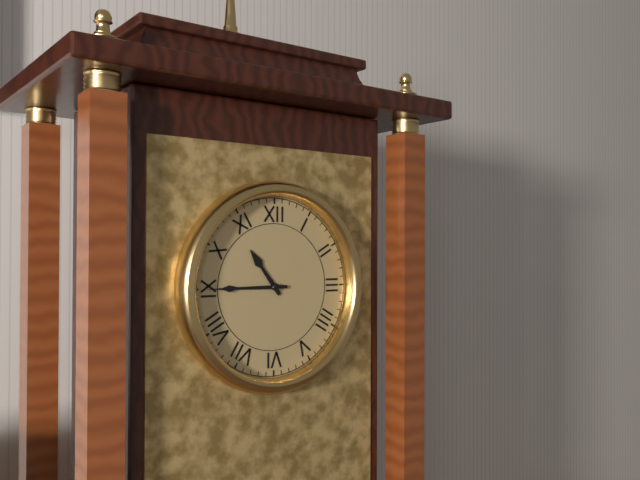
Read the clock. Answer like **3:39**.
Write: **10:45**
